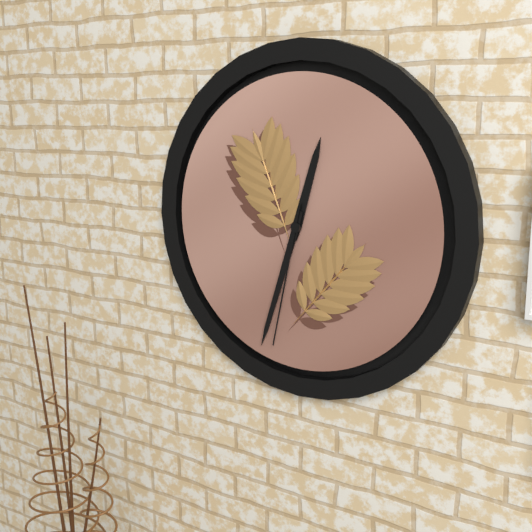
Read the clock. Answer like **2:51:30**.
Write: **12:33:32**
